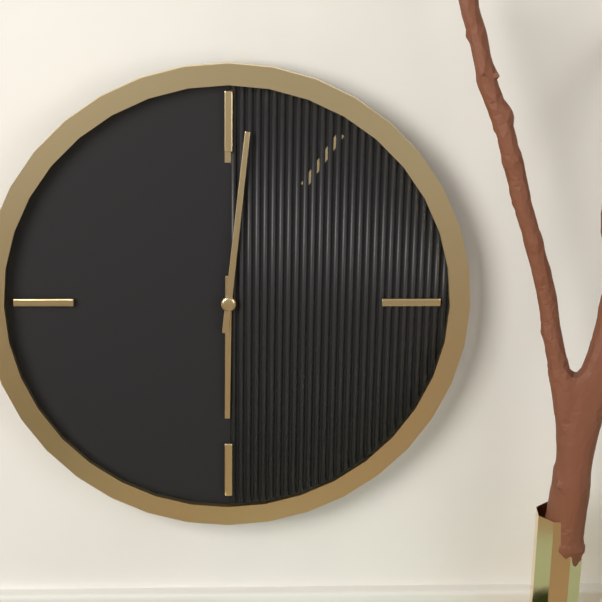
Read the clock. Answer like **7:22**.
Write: **6:01**
